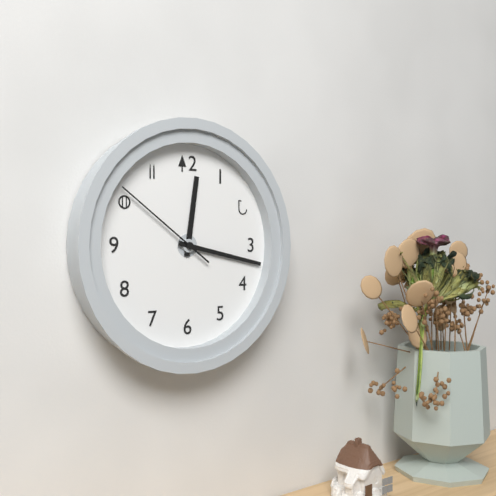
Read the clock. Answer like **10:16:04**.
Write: **12:17:51**
